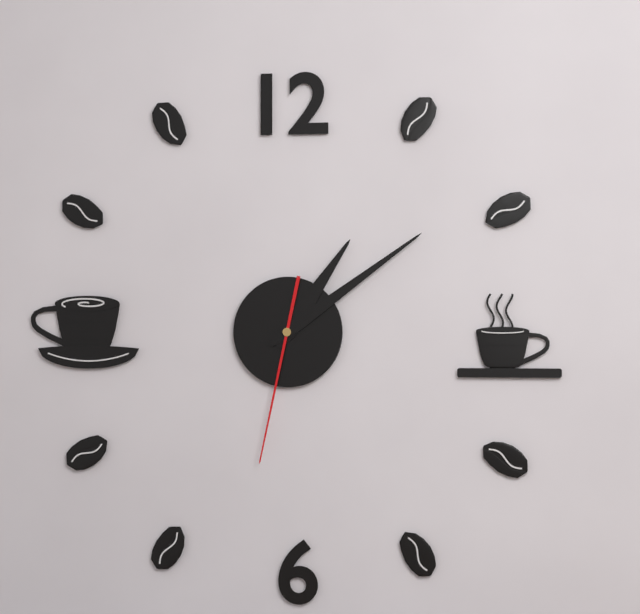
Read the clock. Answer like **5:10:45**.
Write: **1:09:32**
